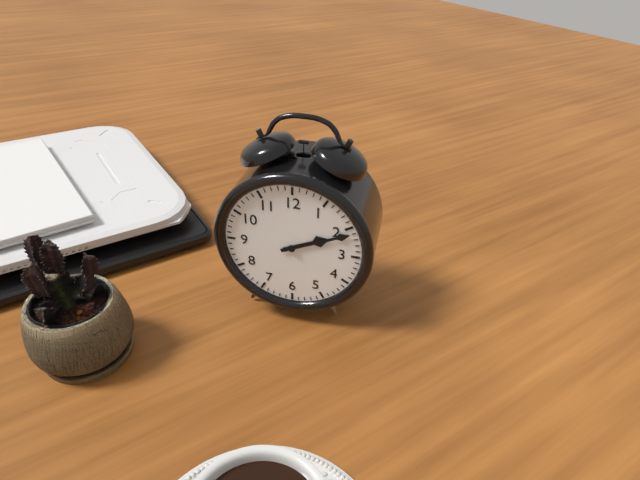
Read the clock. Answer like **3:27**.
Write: **2:11**
